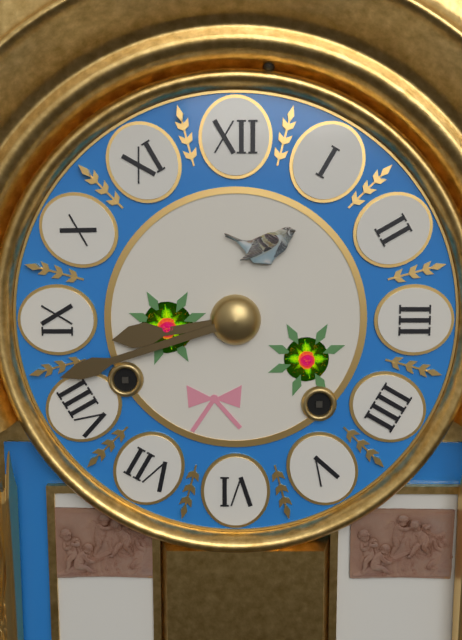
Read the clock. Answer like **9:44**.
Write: **8:42**
